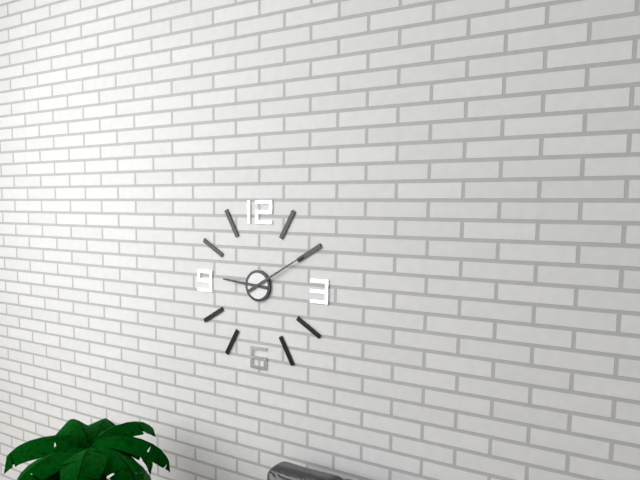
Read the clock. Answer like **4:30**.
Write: **9:10**
